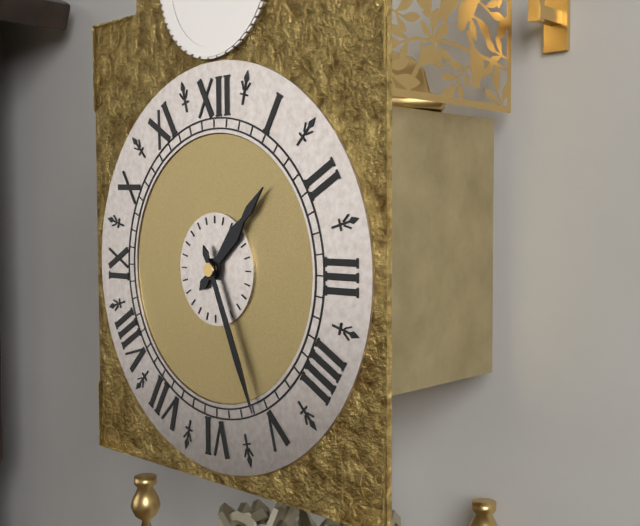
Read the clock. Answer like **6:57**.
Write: **1:26**
